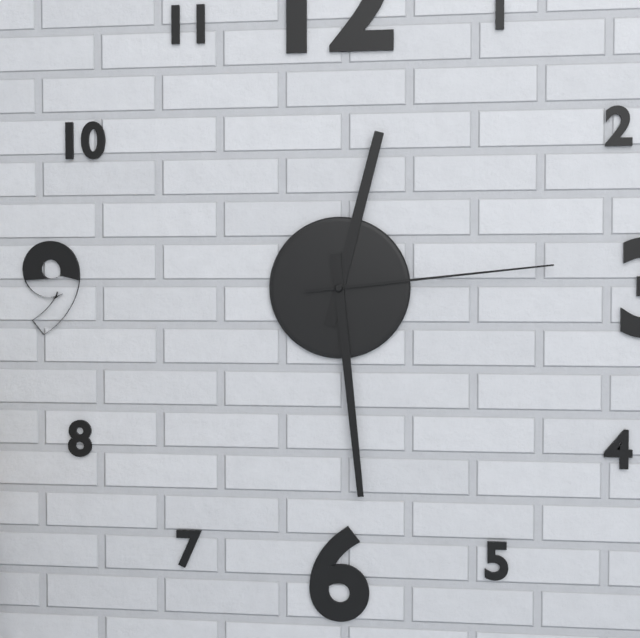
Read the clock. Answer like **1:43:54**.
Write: **12:29:14**
